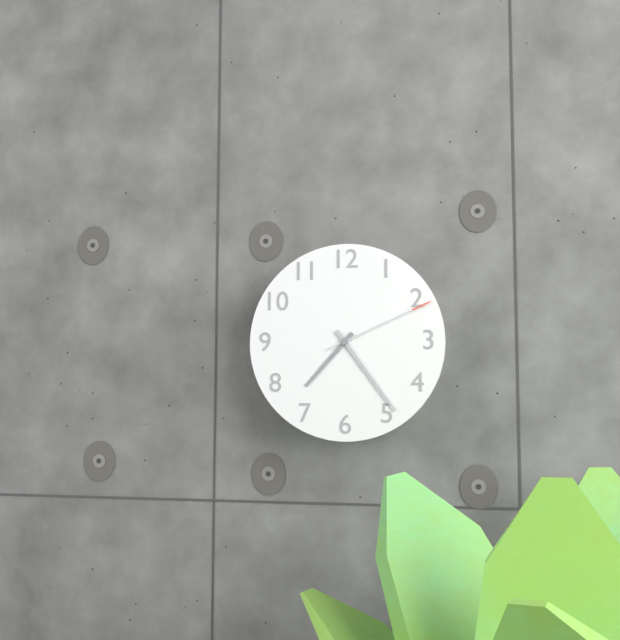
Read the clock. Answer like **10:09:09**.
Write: **7:24:11**
